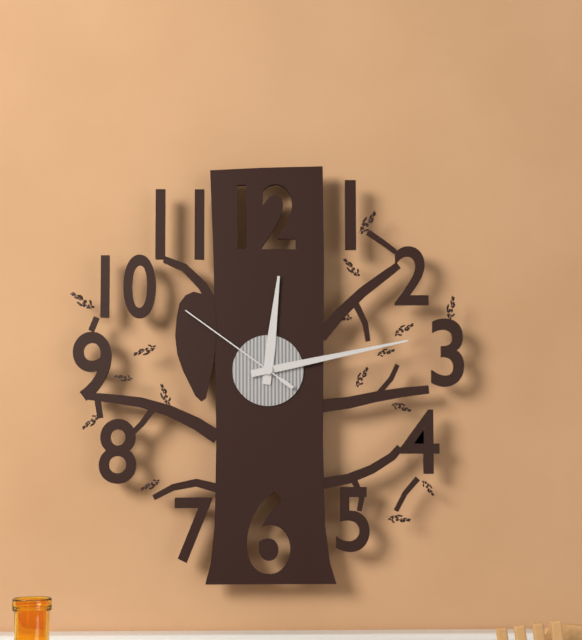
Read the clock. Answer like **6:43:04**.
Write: **12:13:51**
